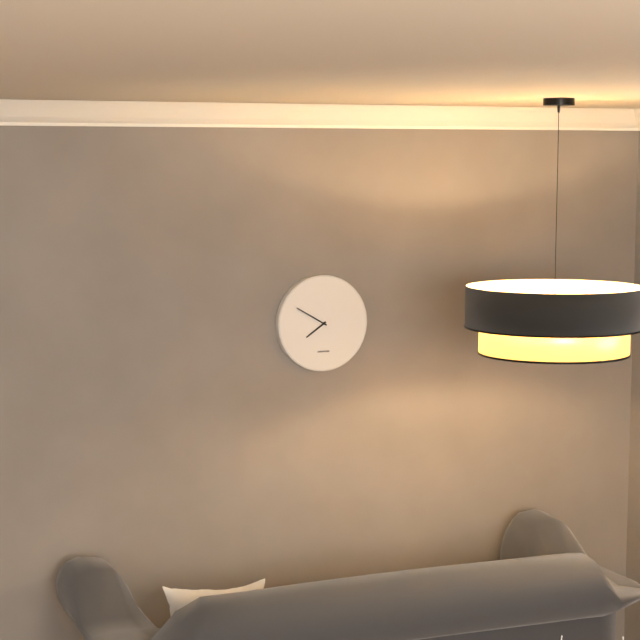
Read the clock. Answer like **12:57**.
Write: **7:50**
